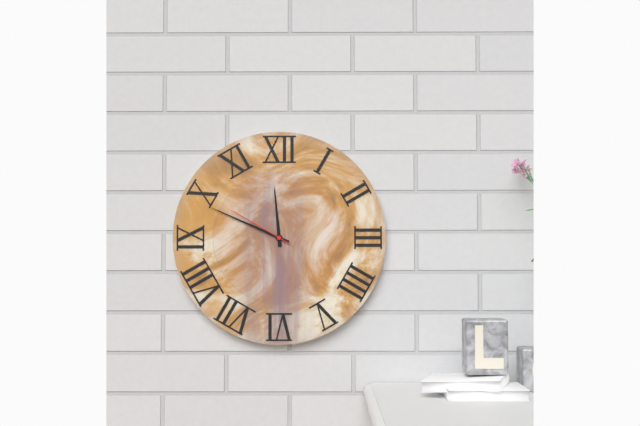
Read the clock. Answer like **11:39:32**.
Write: **11:49:50**
